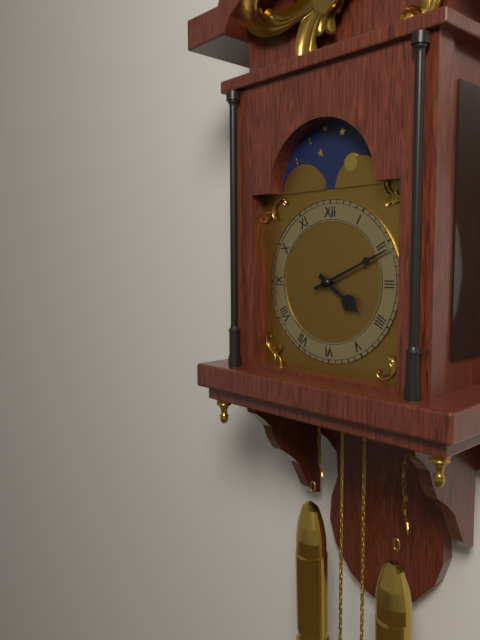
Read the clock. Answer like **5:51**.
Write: **4:11**
